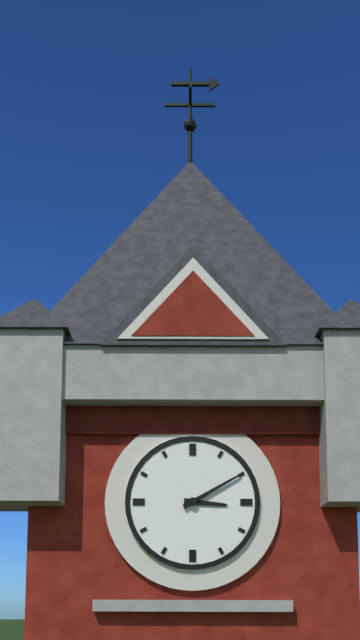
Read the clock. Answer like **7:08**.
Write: **3:10**
